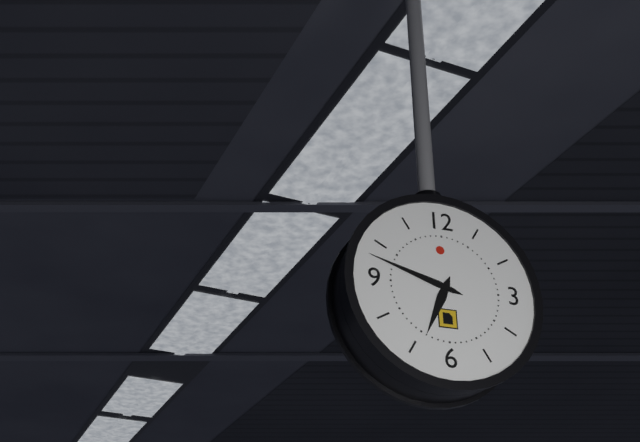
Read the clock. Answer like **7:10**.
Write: **6:48**
